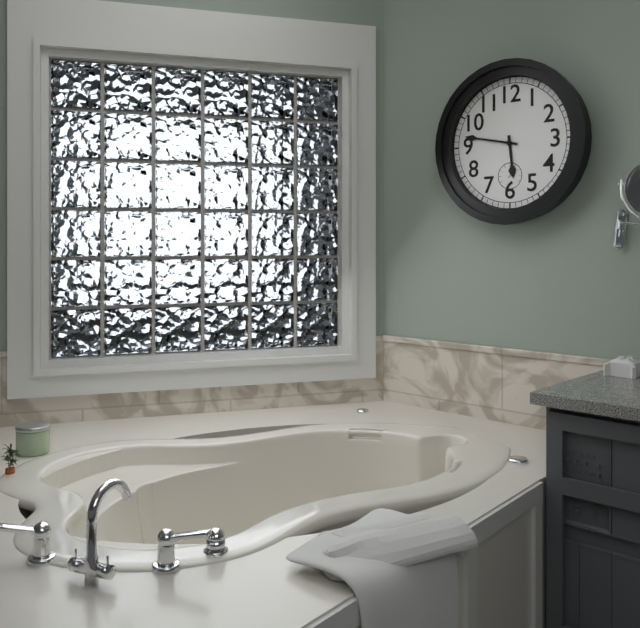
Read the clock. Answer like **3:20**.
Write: **5:47**
